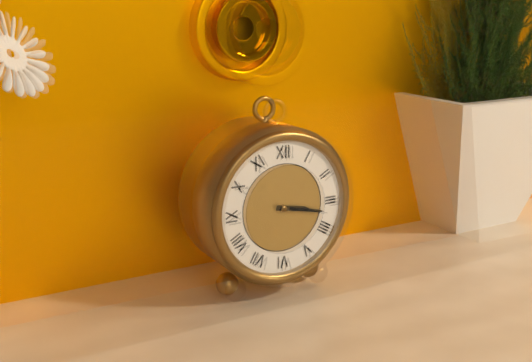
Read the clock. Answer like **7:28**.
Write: **3:17**
